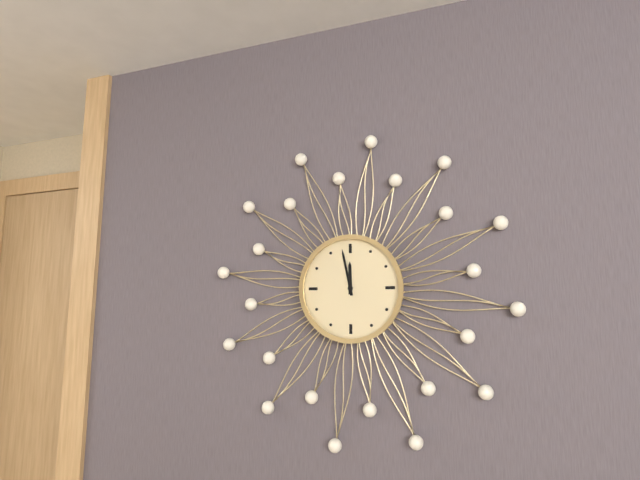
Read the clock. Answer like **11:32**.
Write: **11:58**
